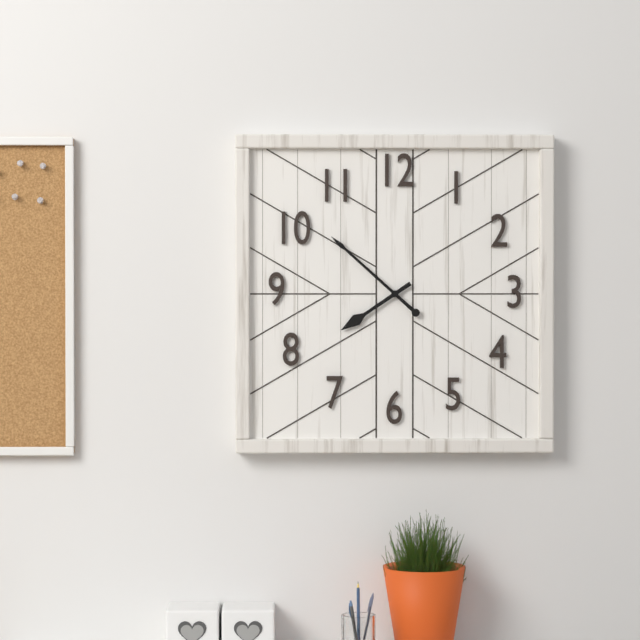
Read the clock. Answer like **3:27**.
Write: **7:52**
